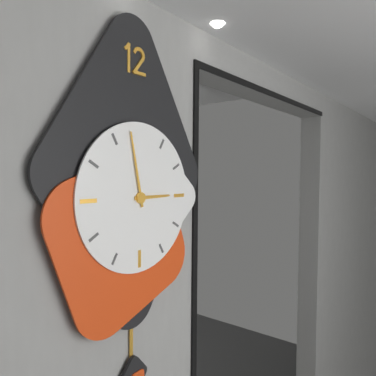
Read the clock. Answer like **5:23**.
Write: **2:58**
